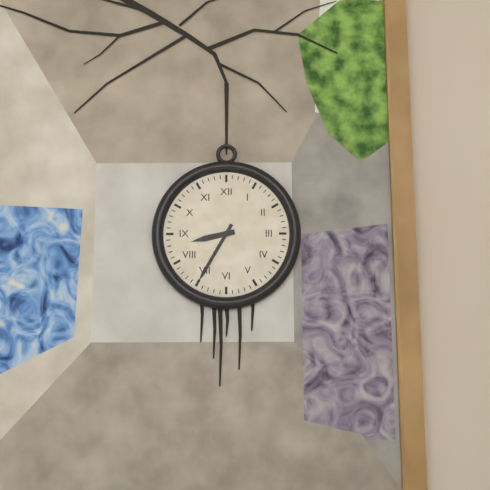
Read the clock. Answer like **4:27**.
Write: **8:35**
